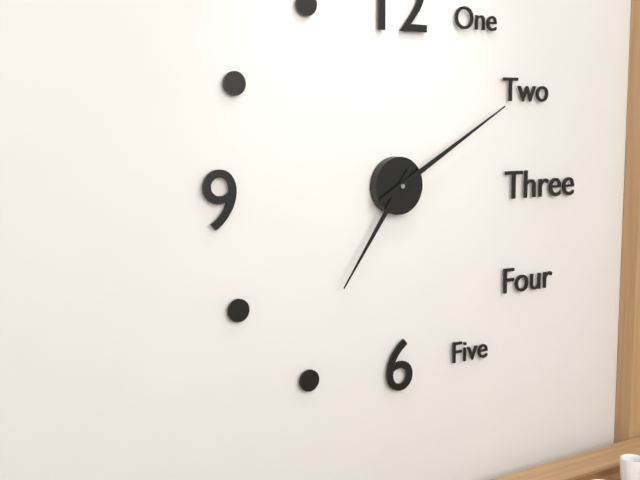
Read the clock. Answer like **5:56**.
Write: **7:10**
